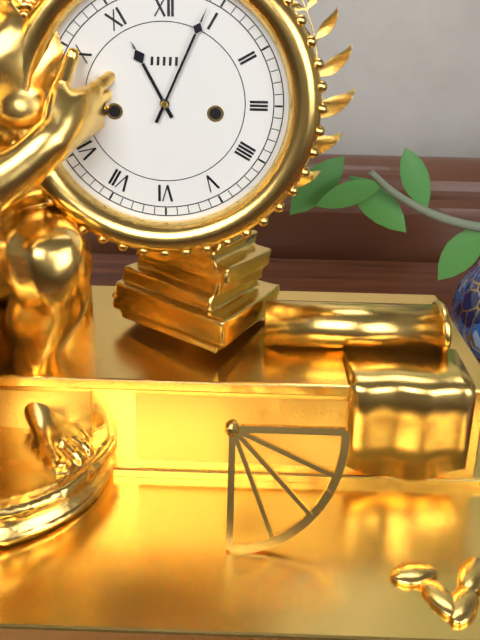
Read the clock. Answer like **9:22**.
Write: **11:04**
